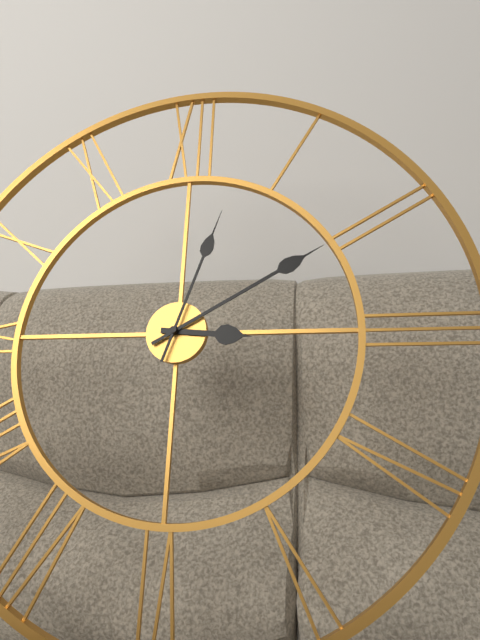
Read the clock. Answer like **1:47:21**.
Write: **3:10:03**
